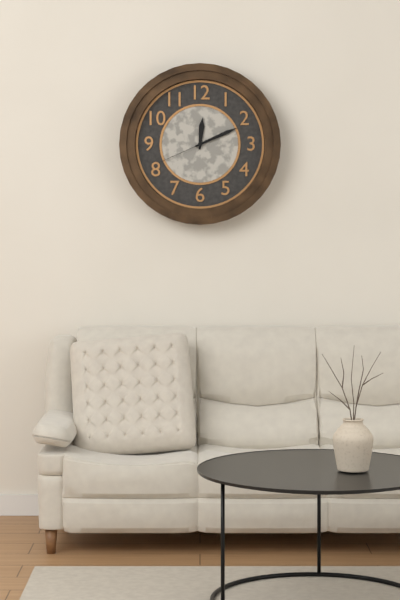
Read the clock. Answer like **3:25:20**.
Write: **12:11:41**
